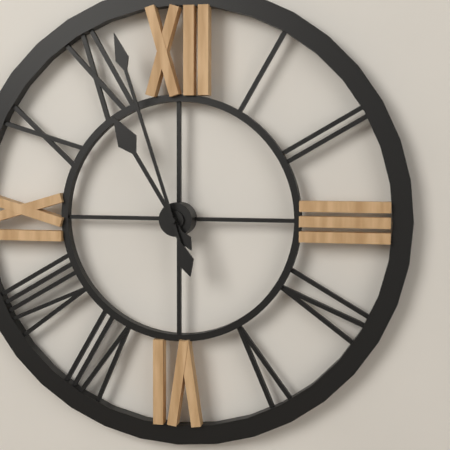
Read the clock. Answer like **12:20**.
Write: **10:57**
